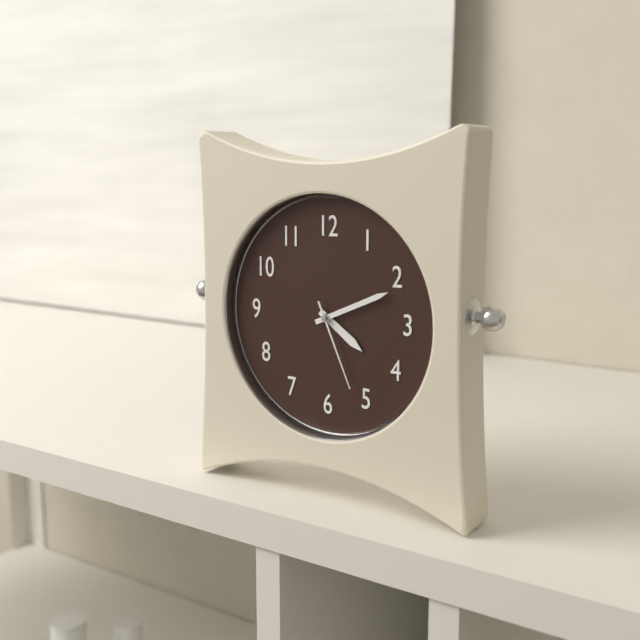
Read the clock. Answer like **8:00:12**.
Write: **4:11:26**
